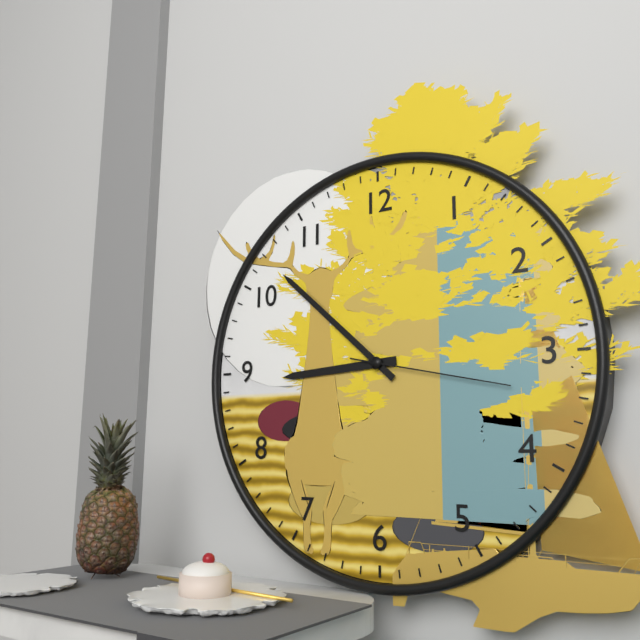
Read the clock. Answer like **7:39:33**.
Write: **8:52:17**
